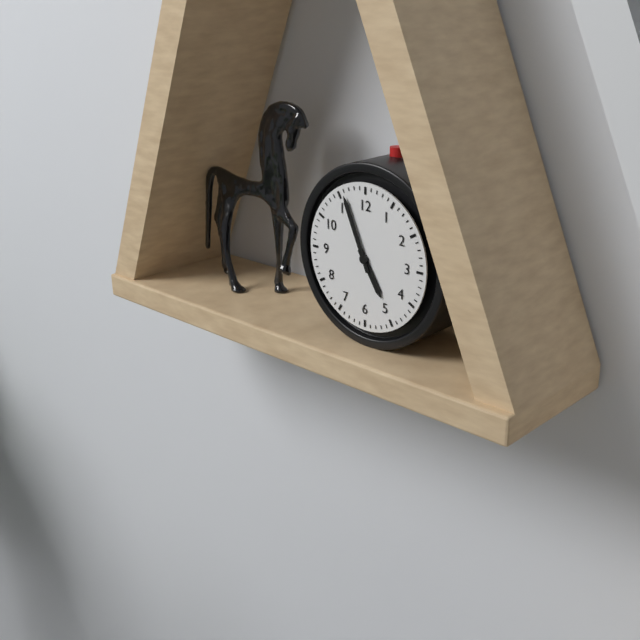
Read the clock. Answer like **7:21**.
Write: **4:56**
